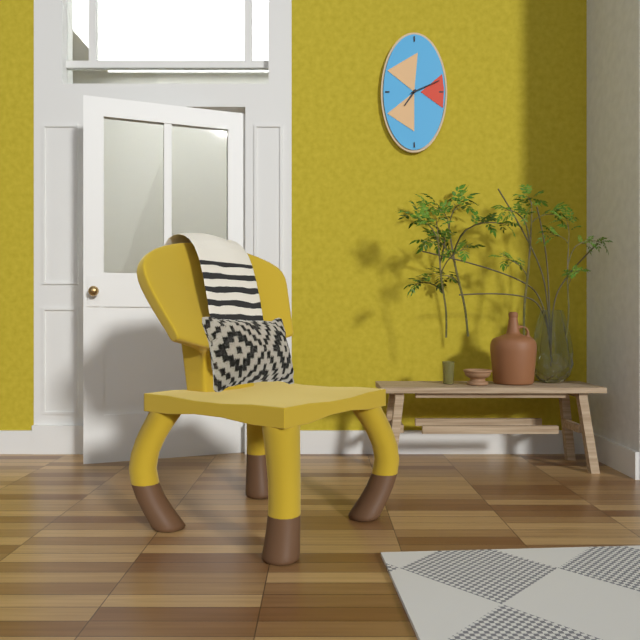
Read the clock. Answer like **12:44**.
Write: **7:11**
